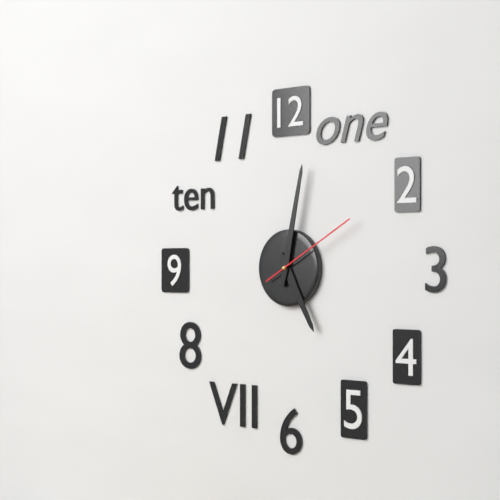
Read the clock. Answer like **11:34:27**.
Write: **5:02:10**
